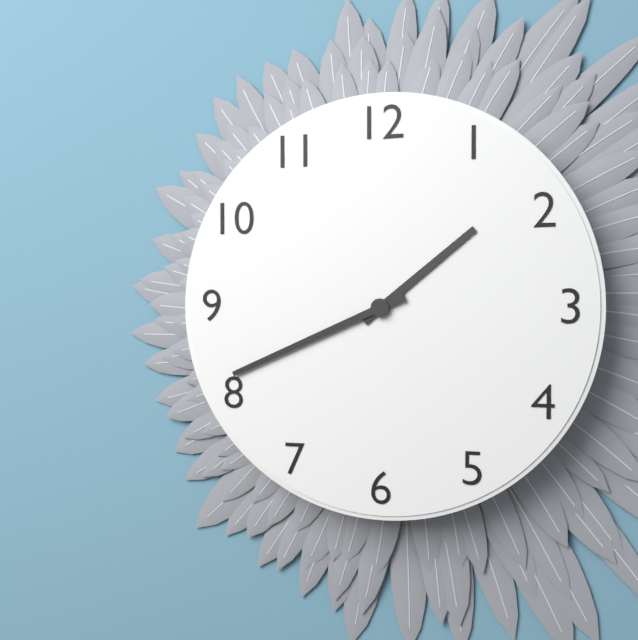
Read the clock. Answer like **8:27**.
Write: **1:41**
